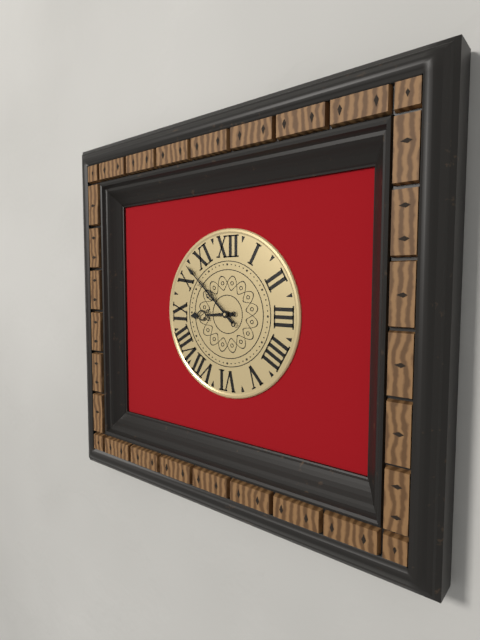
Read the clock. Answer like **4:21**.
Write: **8:52**
